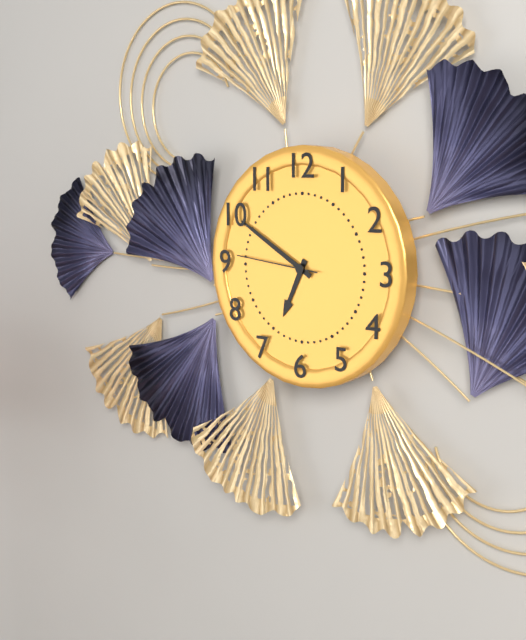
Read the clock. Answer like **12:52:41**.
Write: **6:50:46**
